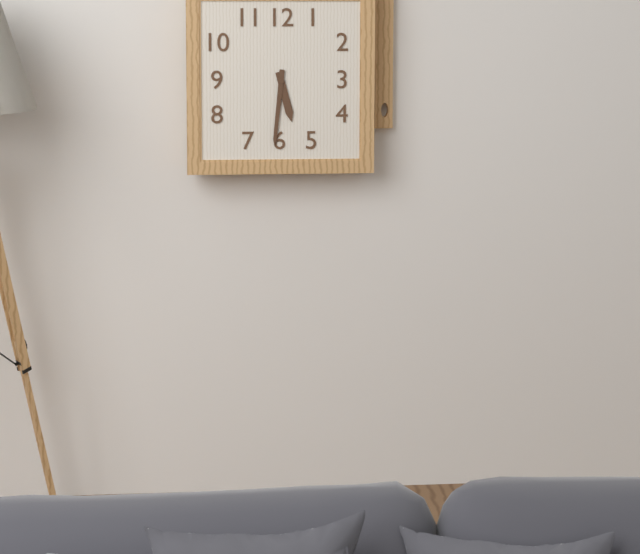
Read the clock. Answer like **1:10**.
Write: **5:31**
